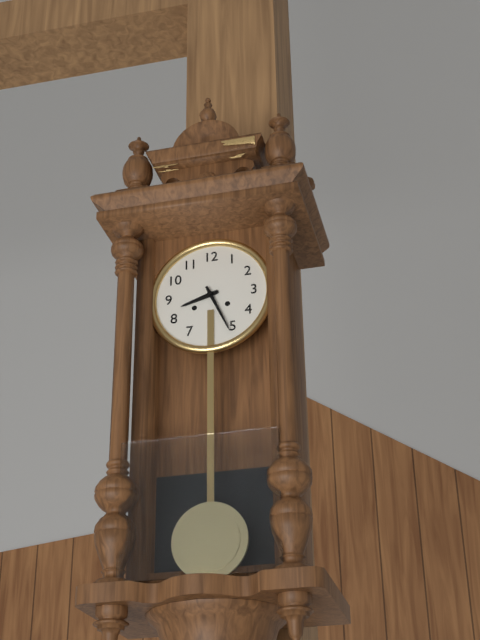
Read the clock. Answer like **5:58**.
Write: **8:26**
